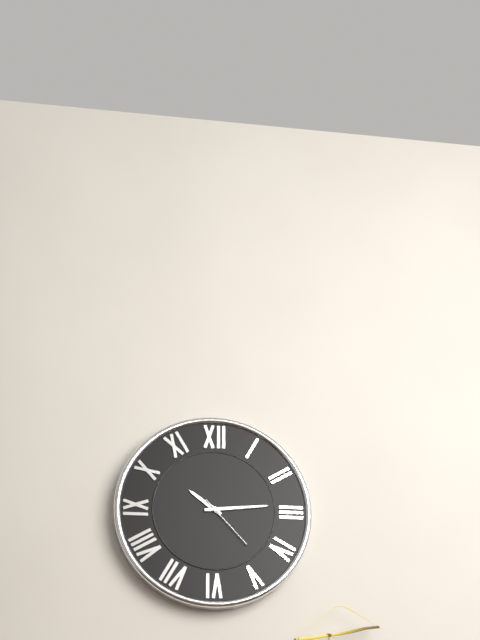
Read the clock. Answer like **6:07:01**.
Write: **10:14:23**
